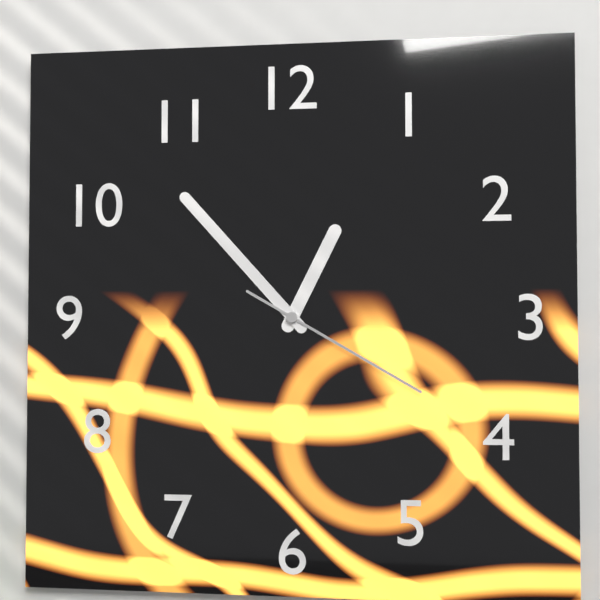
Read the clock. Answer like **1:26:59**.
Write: **12:53:20**
